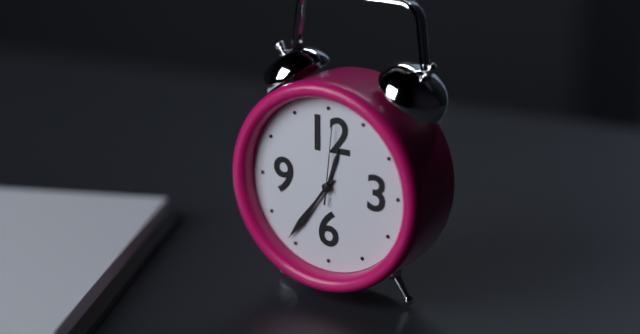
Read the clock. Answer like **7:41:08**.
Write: **12:36:01**
